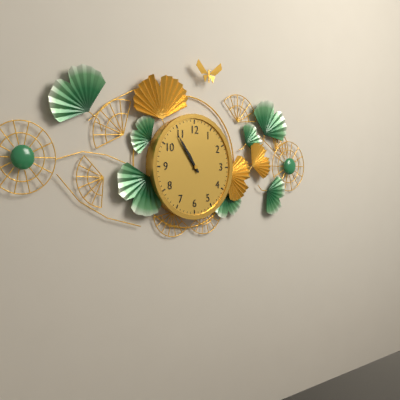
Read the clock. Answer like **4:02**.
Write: **10:54**
